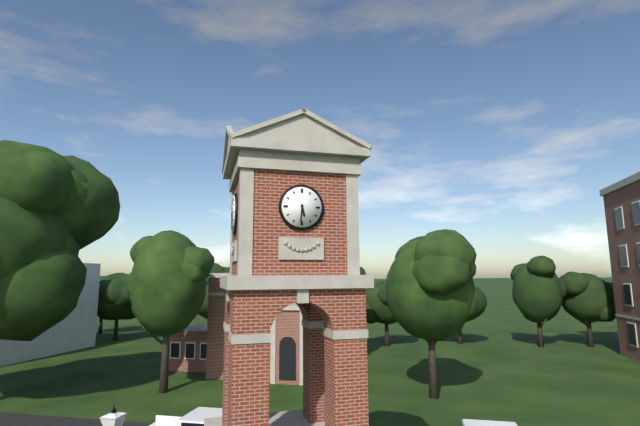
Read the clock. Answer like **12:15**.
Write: **5:31**
